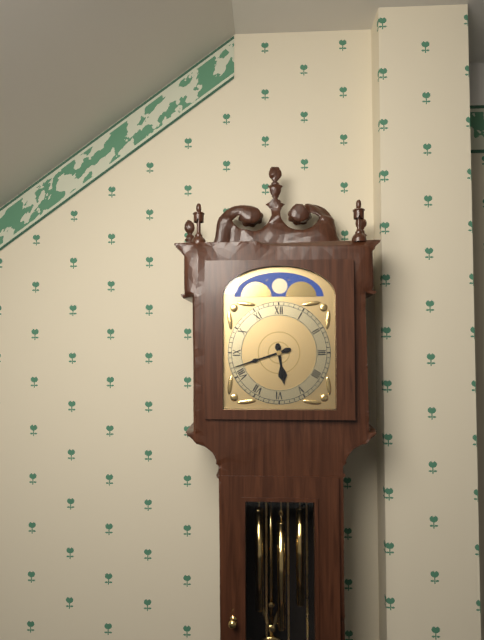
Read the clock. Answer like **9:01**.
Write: **5:42**
